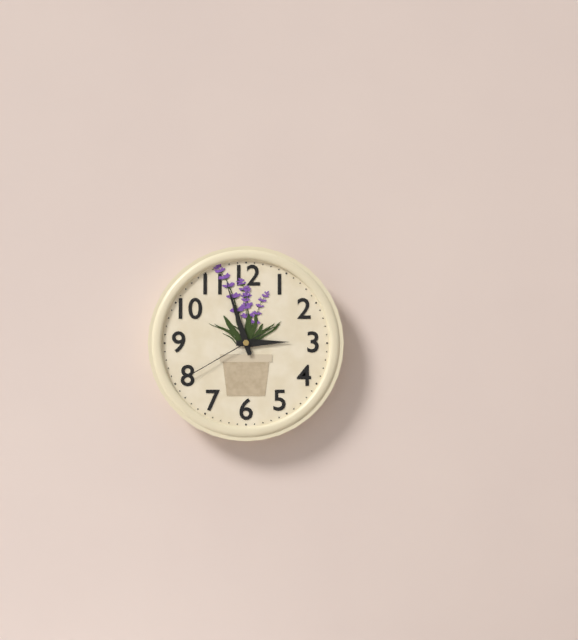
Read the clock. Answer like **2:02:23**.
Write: **2:57:40**
